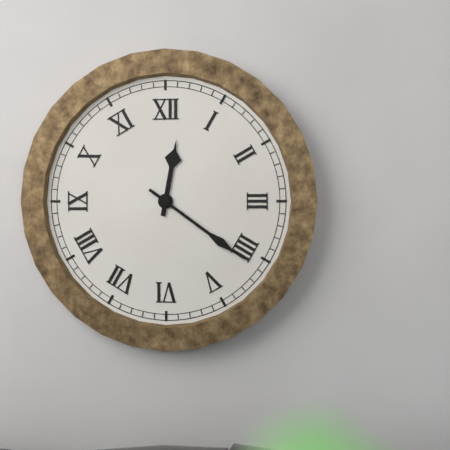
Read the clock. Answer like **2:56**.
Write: **12:21**
